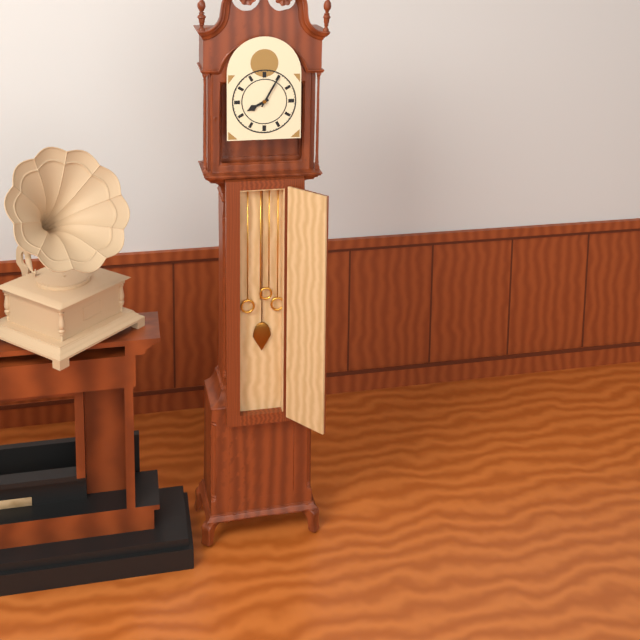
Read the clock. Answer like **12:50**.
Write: **8:05**
